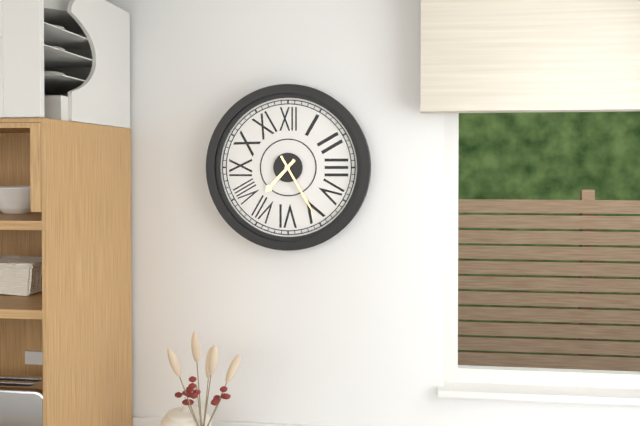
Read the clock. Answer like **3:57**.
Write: **7:25**
